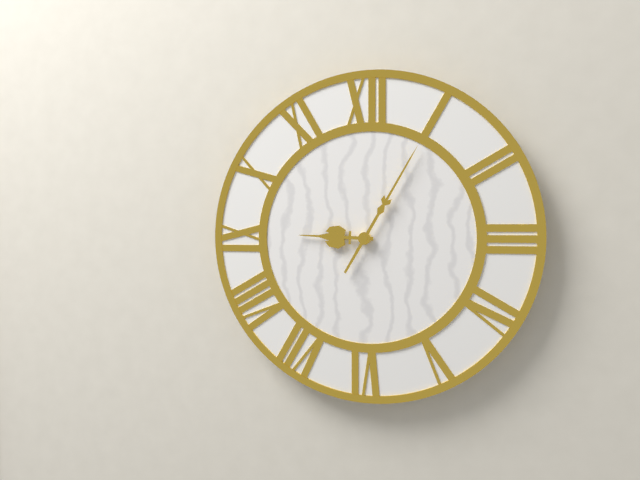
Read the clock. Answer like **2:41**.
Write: **9:05**
